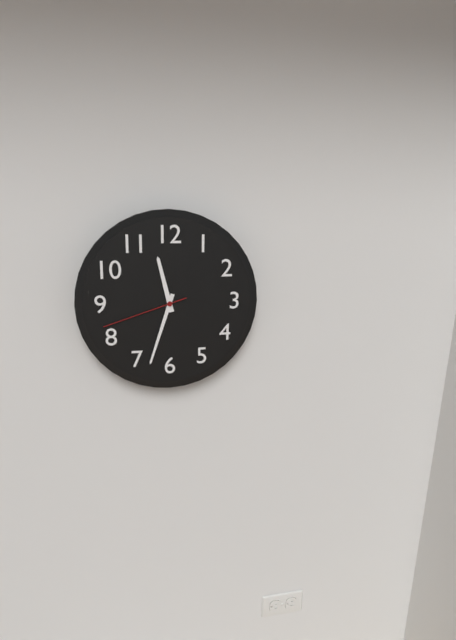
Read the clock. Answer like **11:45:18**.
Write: **11:33:42**
